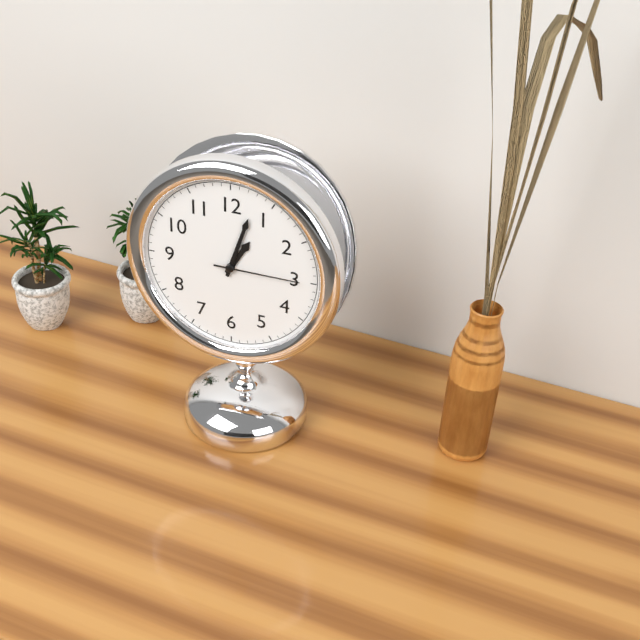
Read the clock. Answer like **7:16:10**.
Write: **1:03:15**
